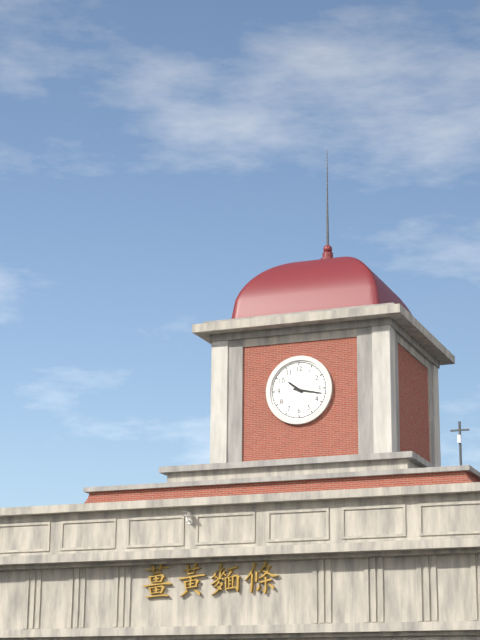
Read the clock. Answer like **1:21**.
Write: **10:17**
